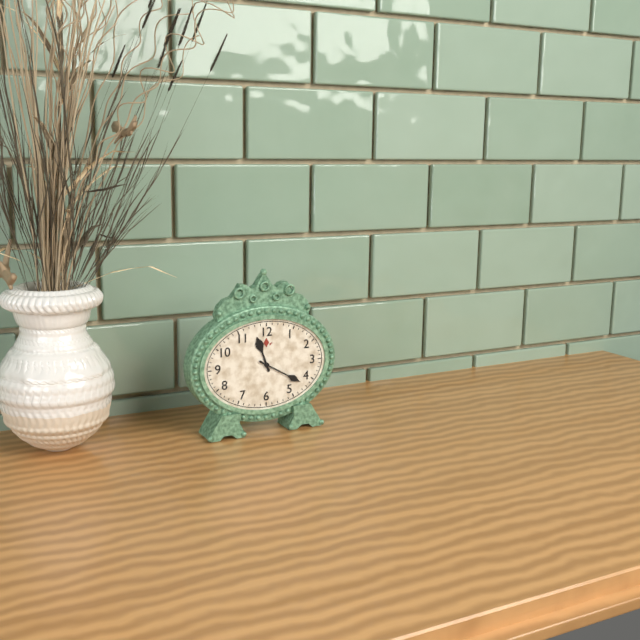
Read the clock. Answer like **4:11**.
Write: **11:20**
